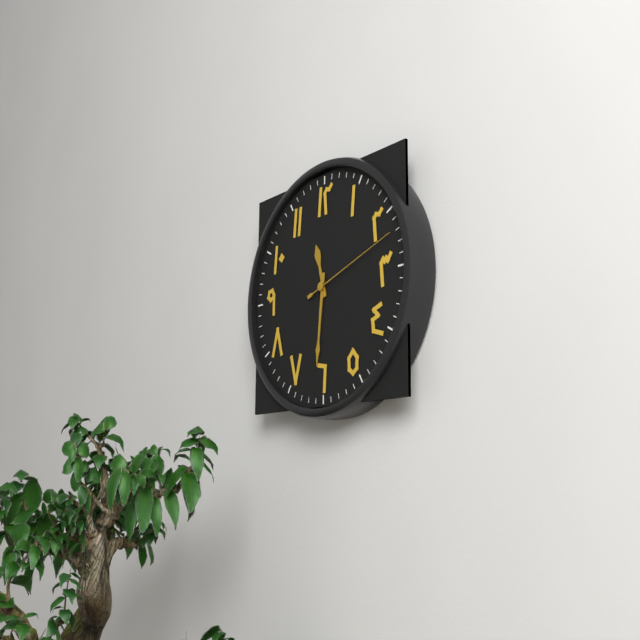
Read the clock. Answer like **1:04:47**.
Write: **11:31:12**
